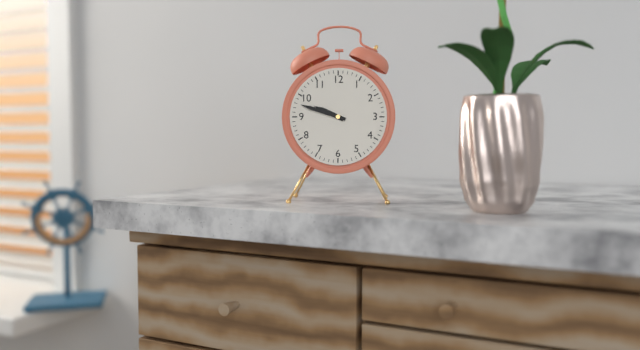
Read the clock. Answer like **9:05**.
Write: **9:48**
